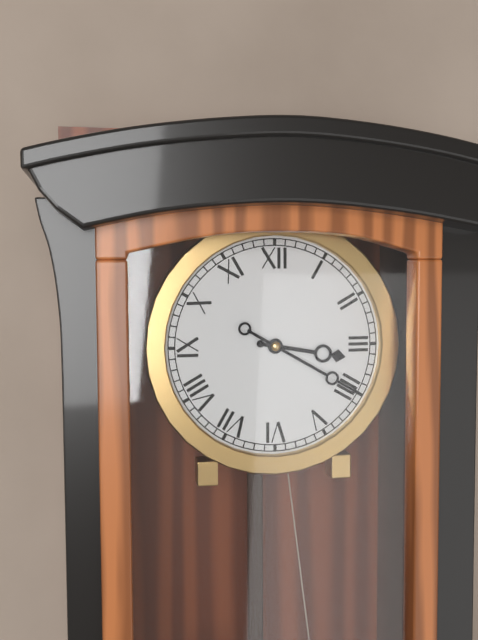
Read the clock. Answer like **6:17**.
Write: **3:20**
